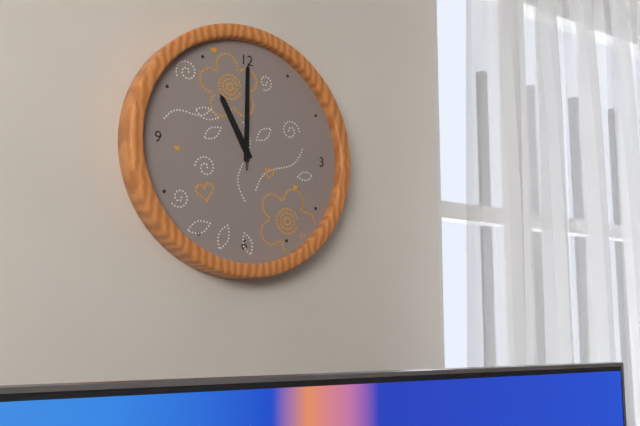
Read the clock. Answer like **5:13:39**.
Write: **11:00:00**
